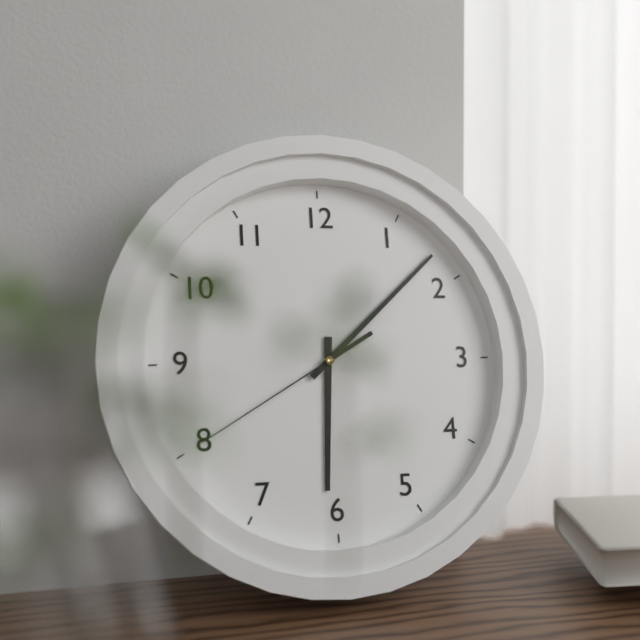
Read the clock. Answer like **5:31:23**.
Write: **6:08:40**
